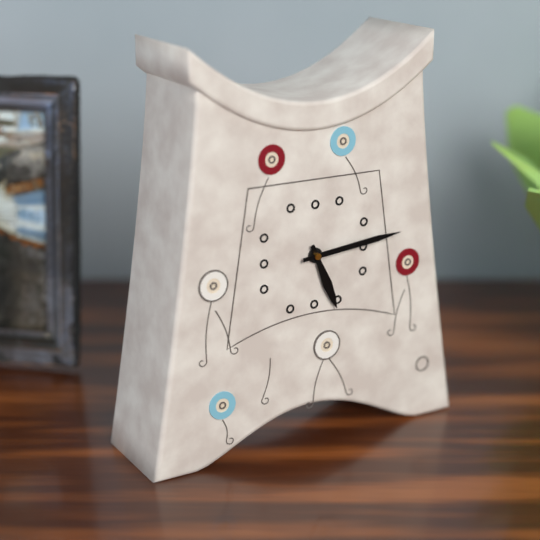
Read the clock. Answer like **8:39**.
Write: **5:14**
